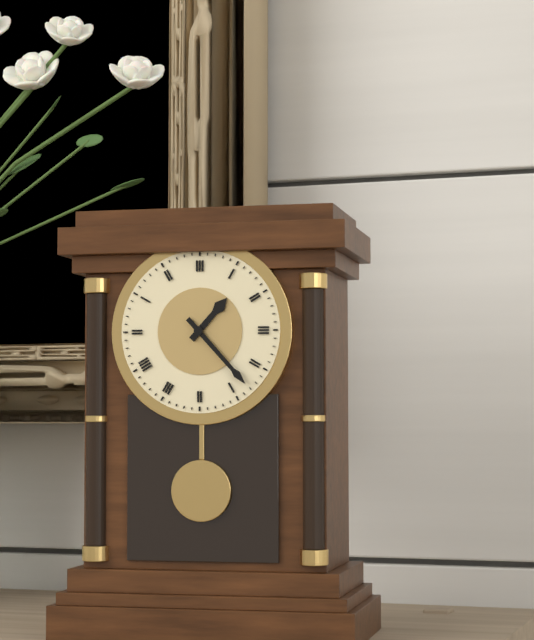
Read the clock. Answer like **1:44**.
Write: **1:23**
